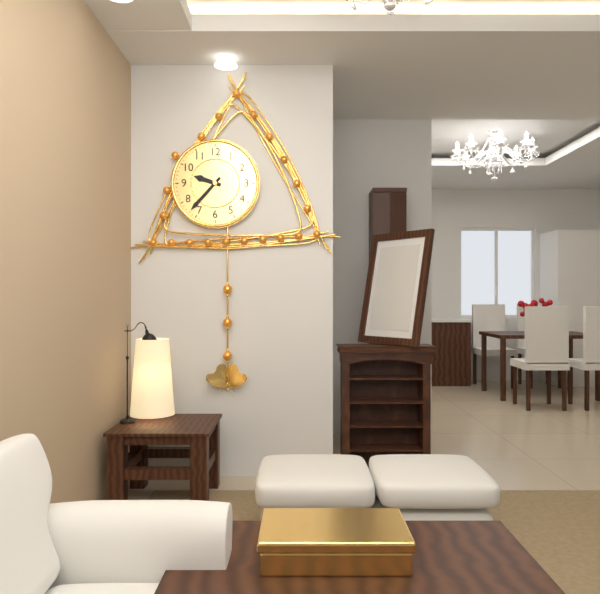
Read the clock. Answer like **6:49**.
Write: **9:37**
